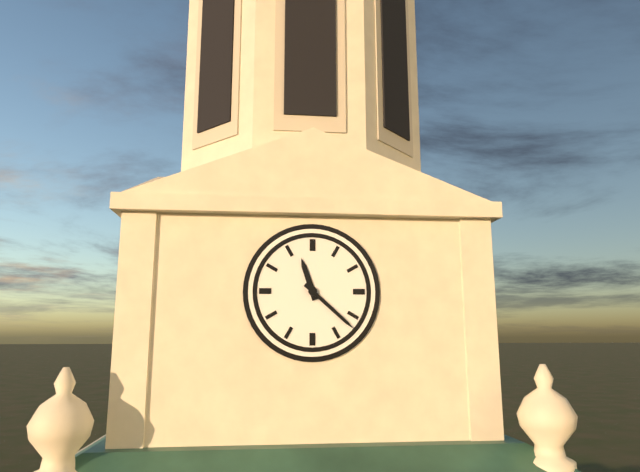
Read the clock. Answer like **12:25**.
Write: **11:22**
